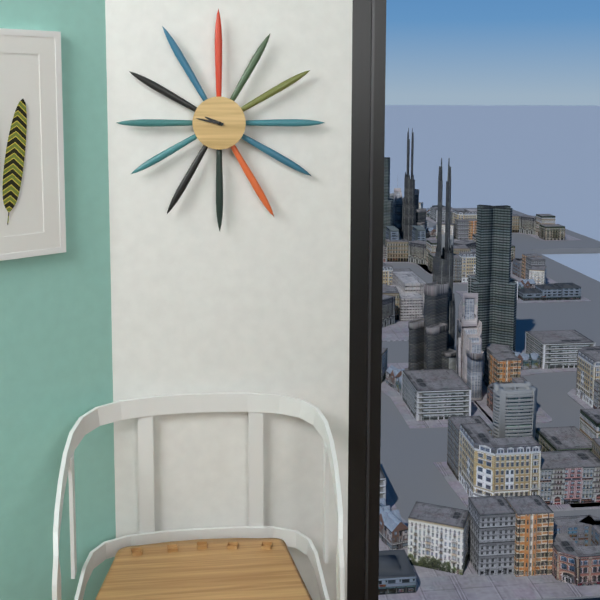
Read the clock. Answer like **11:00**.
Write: **9:47**
